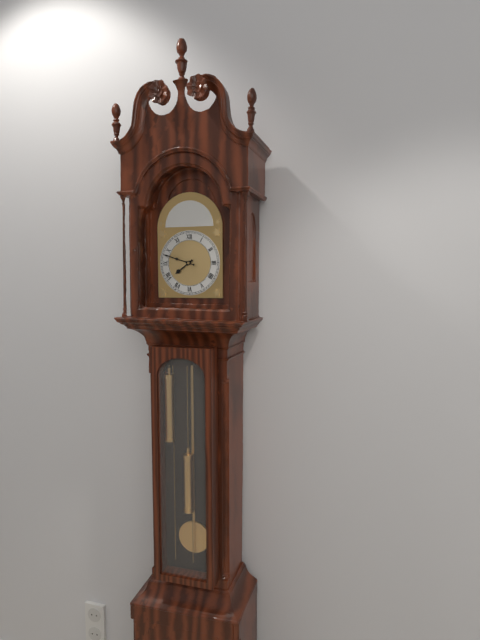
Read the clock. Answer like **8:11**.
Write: **7:48**
